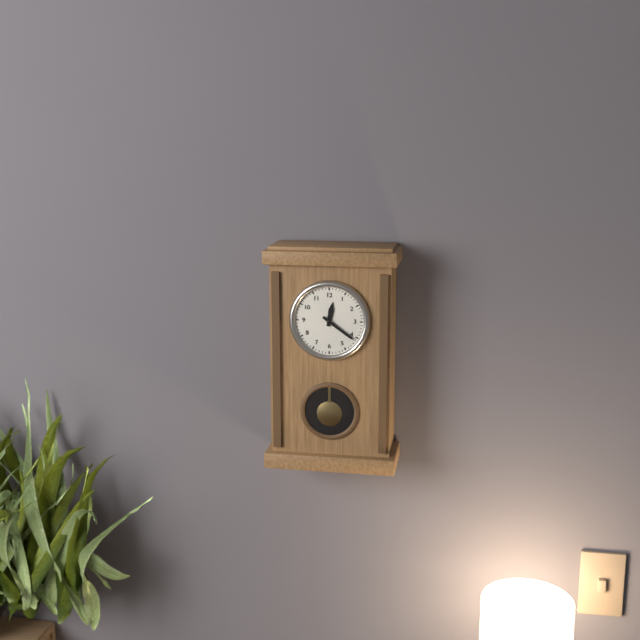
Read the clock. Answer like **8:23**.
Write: **12:21**
